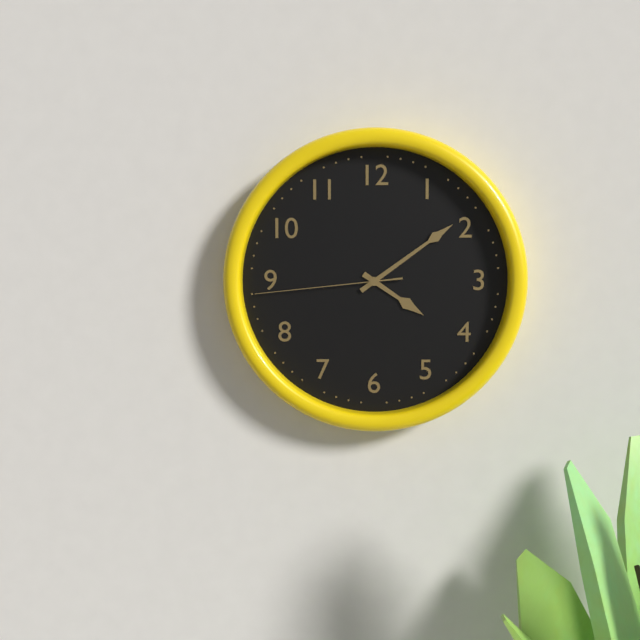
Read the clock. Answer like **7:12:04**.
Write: **4:09:44**
